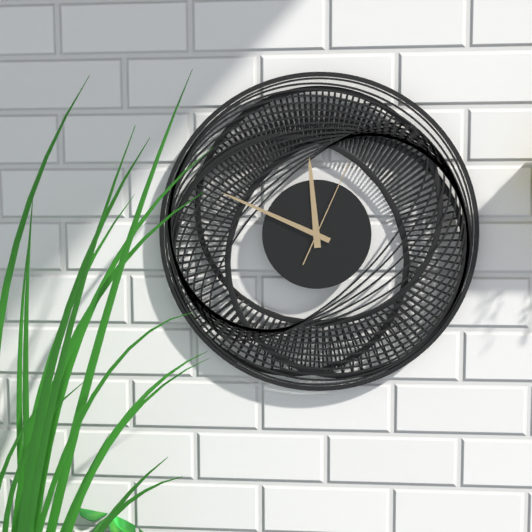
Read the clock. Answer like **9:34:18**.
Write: **11:49:04**
